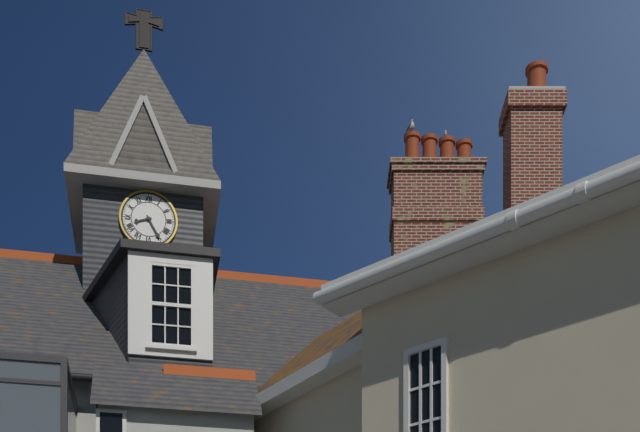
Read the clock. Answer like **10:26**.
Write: **8:25**
